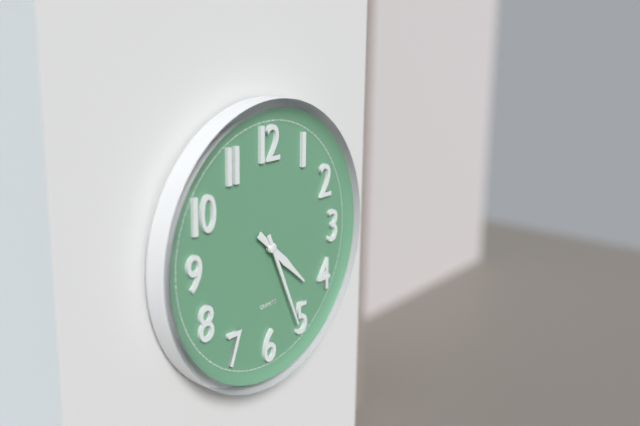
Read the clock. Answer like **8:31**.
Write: **4:26**
